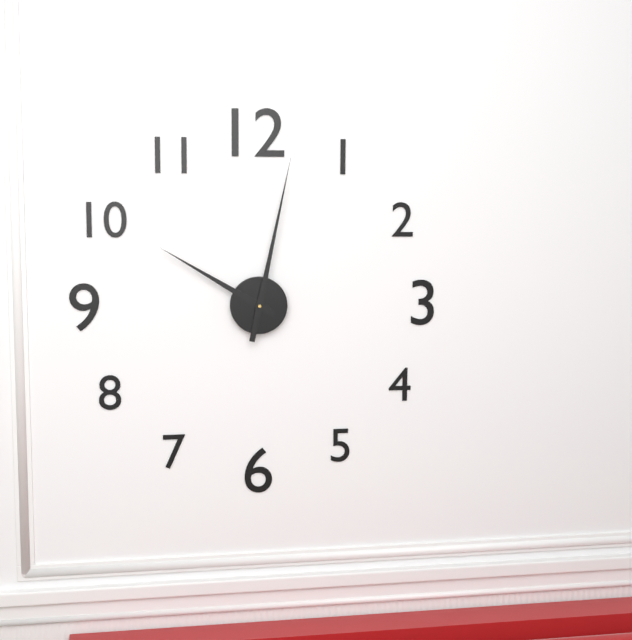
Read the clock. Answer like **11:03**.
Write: **10:02**
